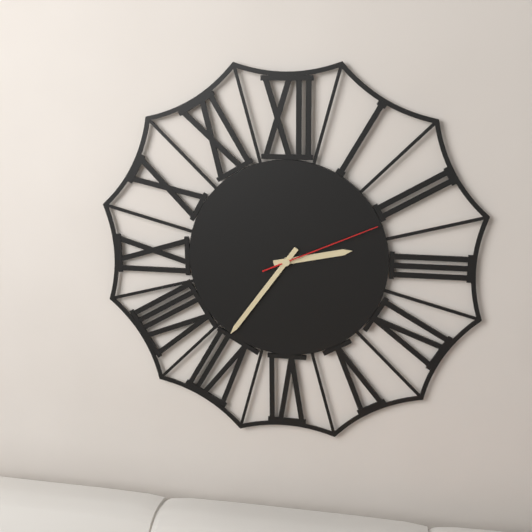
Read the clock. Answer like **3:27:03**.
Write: **2:36:11**
